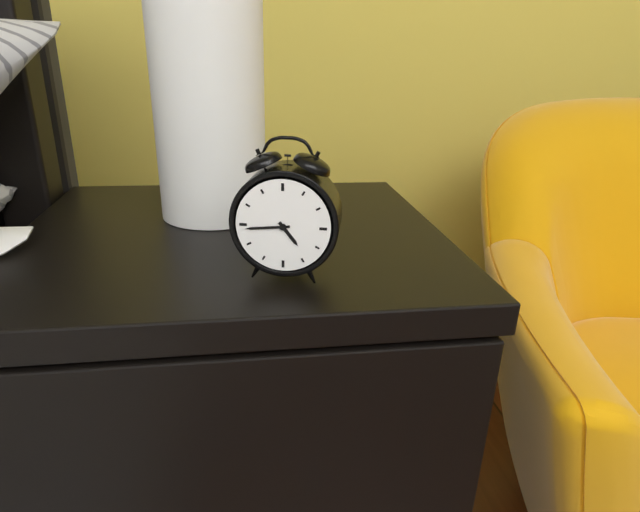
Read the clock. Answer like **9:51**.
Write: **4:44**
